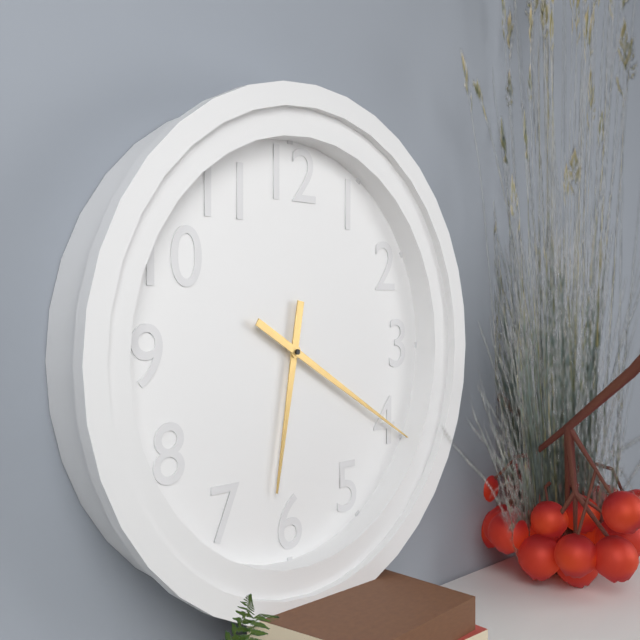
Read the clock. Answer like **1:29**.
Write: **6:20**
